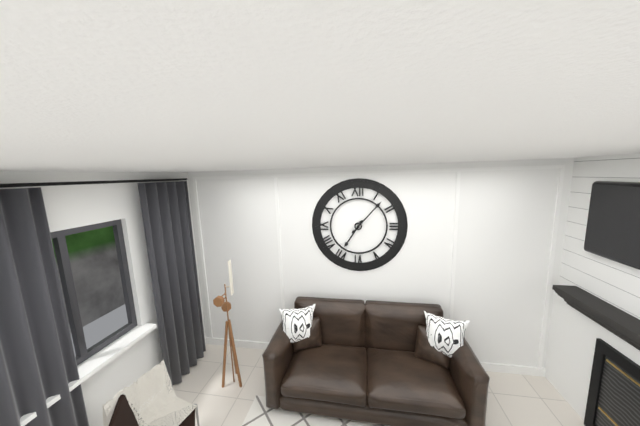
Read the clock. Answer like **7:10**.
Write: **7:07**
